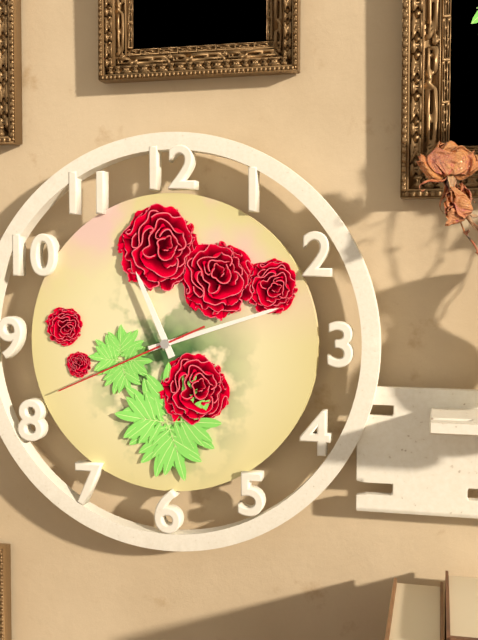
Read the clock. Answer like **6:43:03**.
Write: **11:12:41**
